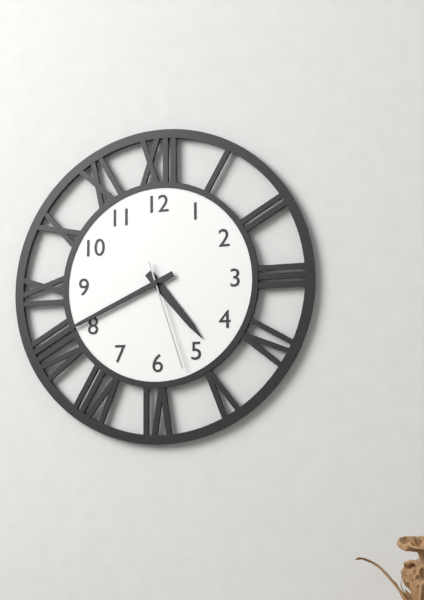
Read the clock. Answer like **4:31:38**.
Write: **4:41:27**
